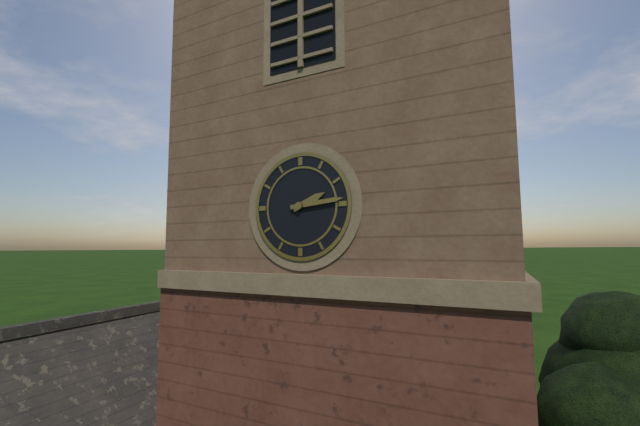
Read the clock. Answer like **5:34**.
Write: **2:14**
